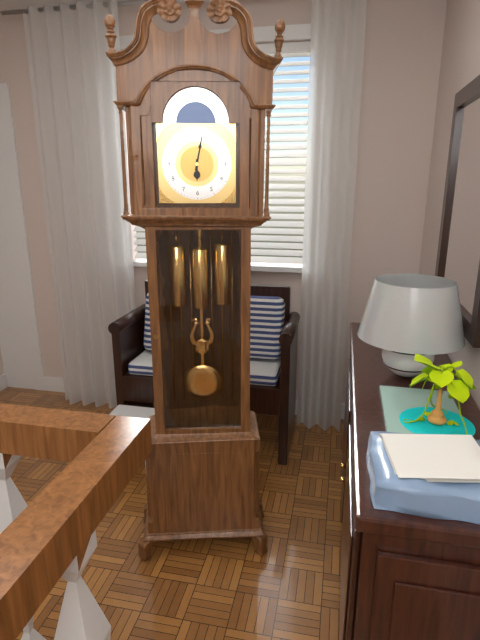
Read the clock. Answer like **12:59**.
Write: **6:02**
